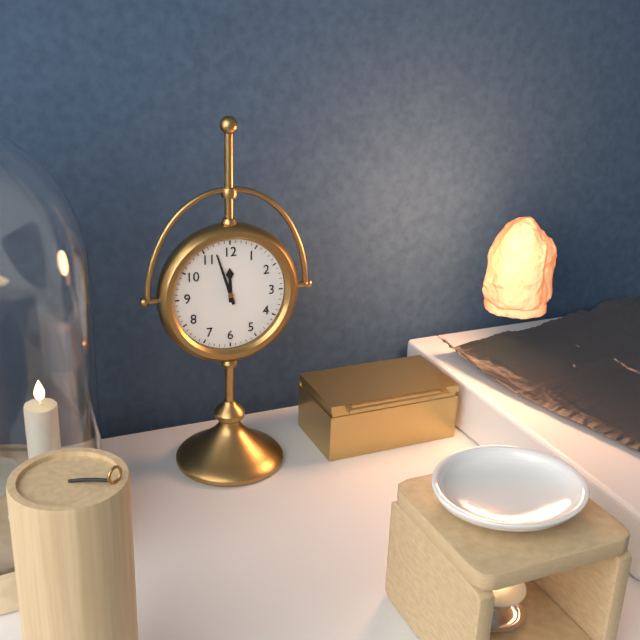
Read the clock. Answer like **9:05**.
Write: **11:57**
